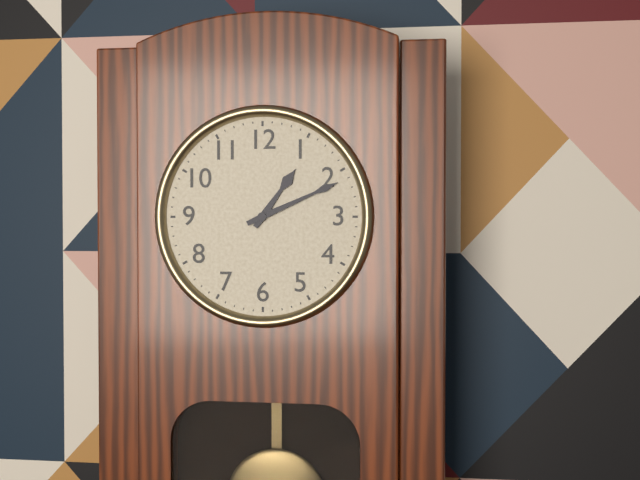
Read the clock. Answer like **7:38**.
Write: **1:11**
